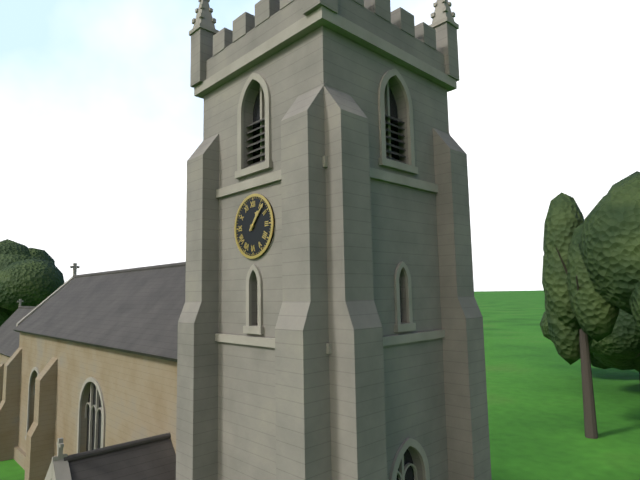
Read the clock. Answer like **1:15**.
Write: **1:07**
